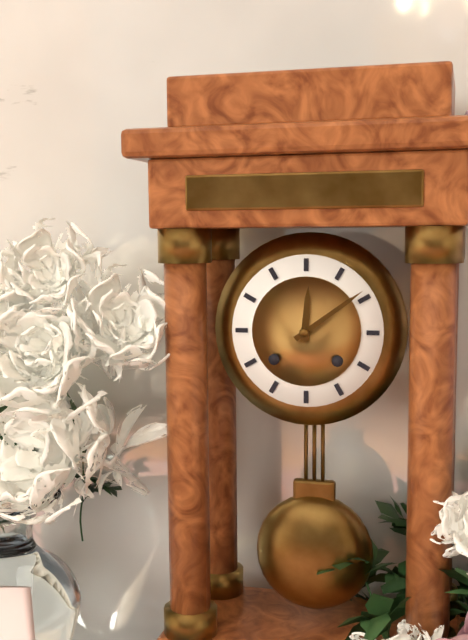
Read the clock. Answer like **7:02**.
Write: **12:09**
